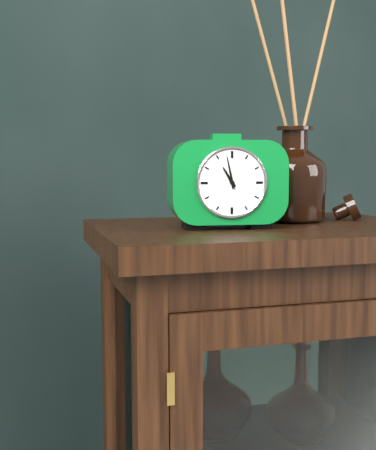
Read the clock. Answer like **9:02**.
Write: **10:58**
